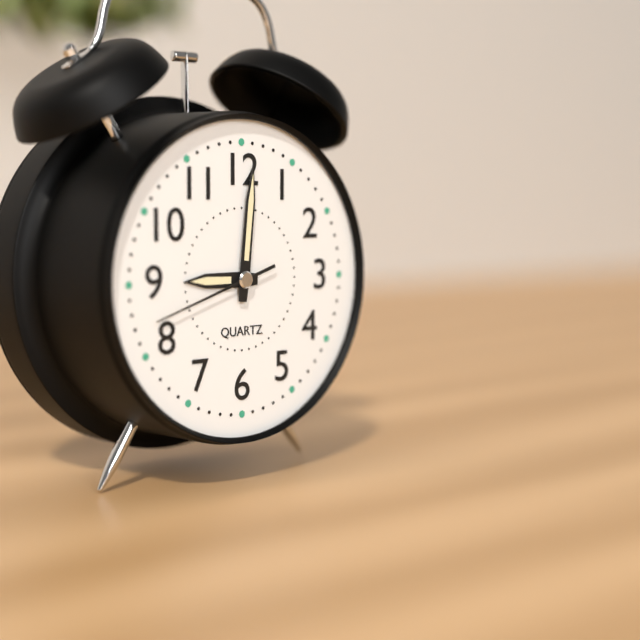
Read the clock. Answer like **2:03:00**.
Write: **9:01:42**
